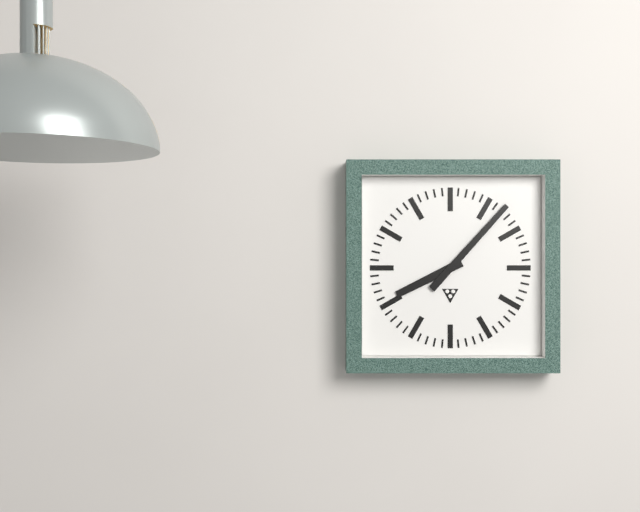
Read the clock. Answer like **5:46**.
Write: **8:07**
